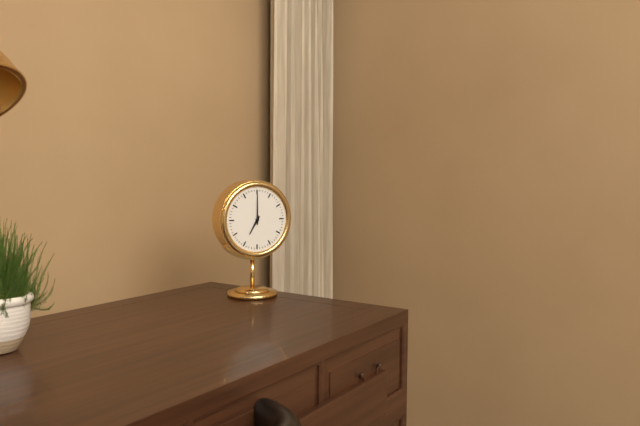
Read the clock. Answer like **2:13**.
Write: **7:00**
